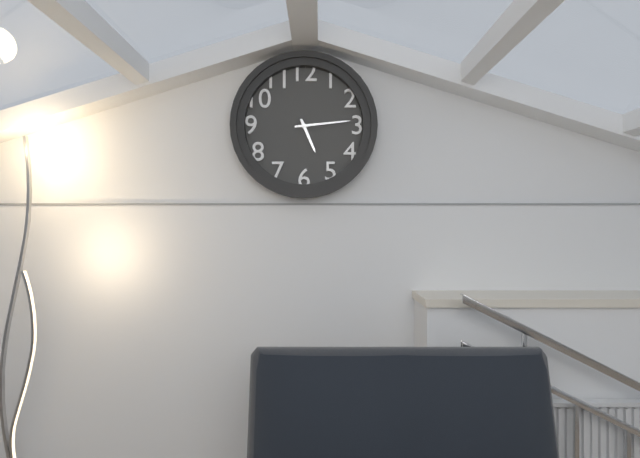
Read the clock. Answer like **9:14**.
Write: **5:14**
